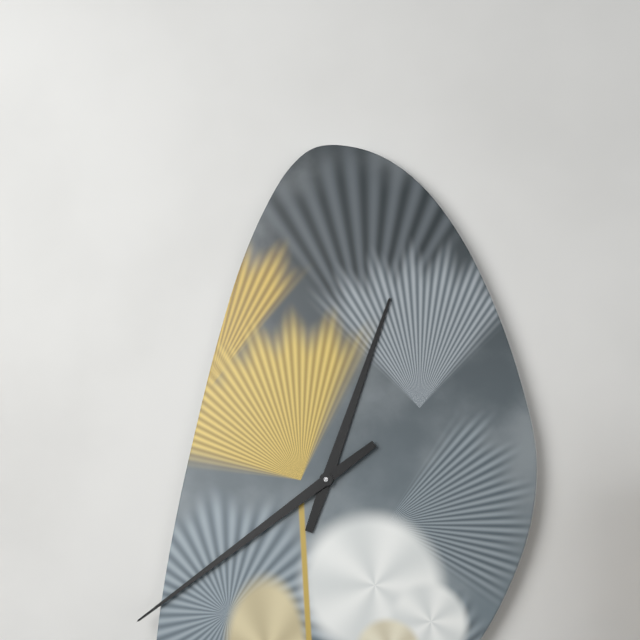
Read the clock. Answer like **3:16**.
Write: **12:39**
